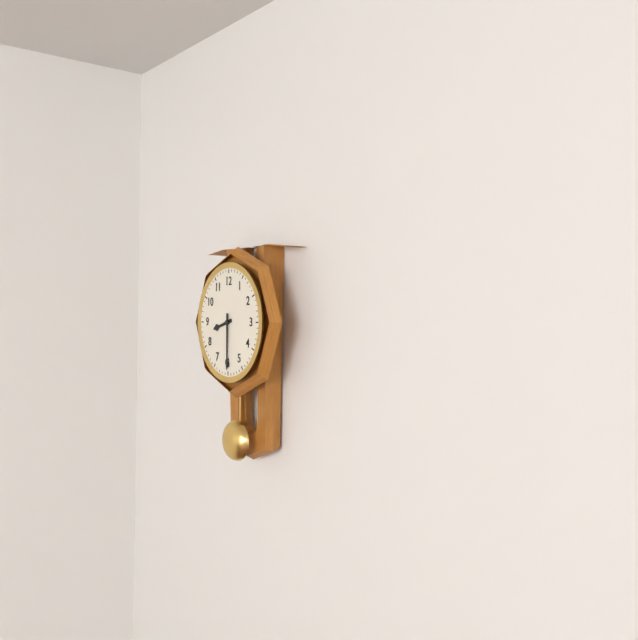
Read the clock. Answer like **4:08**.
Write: **8:30**
